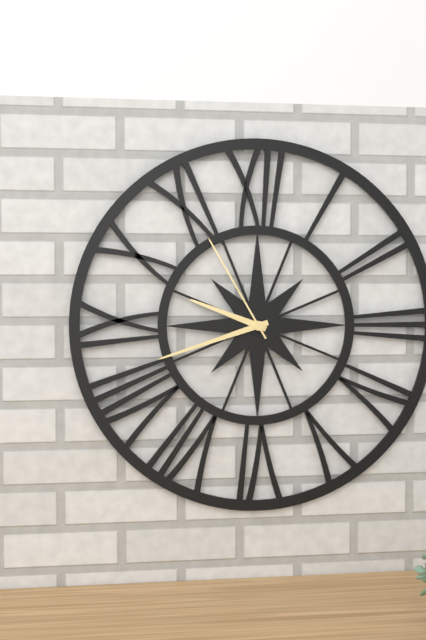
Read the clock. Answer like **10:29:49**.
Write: **9:42:55**
